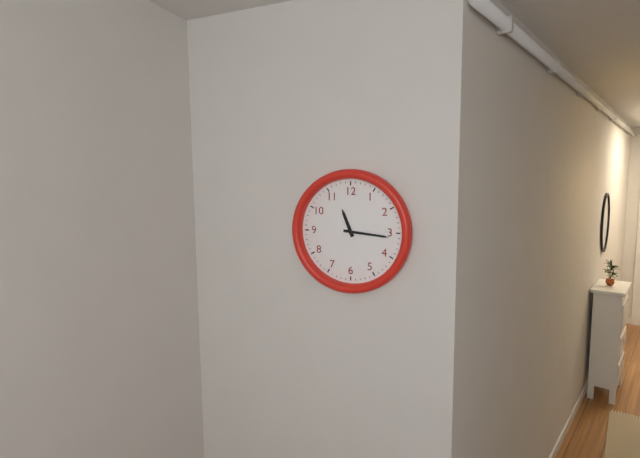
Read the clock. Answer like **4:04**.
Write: **11:16**
